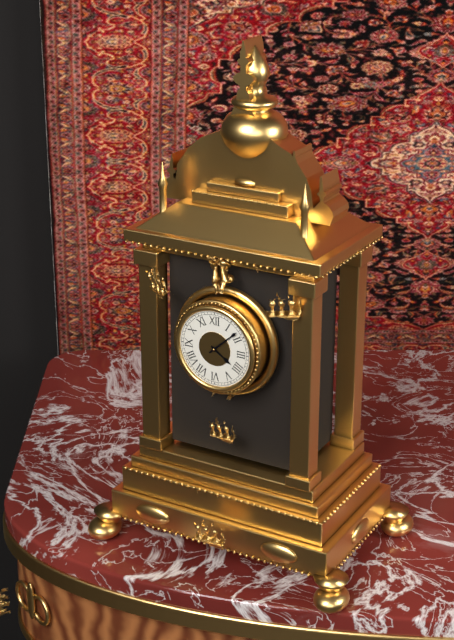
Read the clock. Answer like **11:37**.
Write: **4:08**
